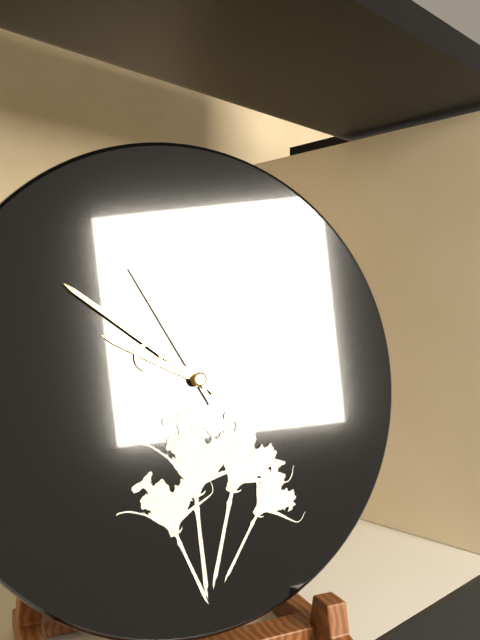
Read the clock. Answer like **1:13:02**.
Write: **9:51:55**
